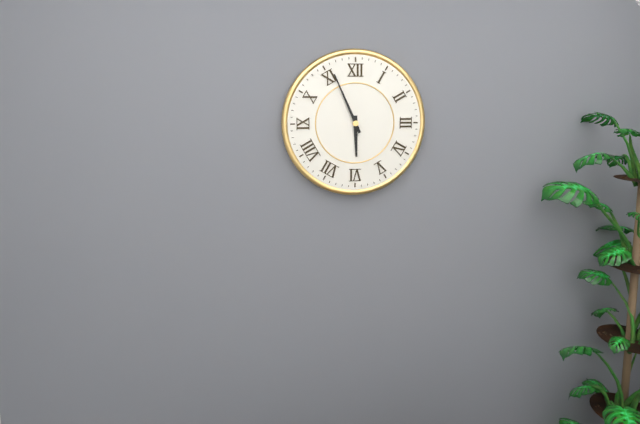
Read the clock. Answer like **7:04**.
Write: **5:56**
